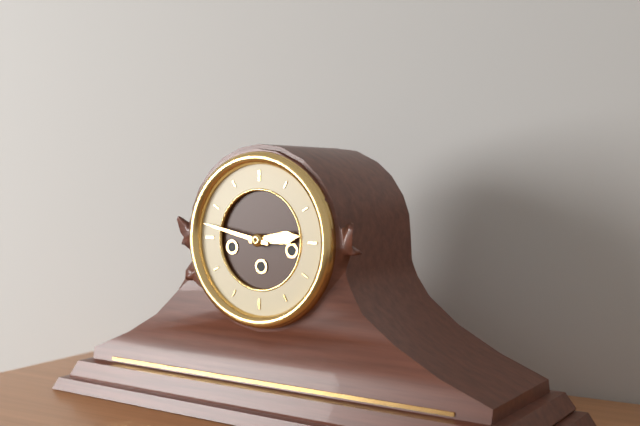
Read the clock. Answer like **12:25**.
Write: **2:47**
